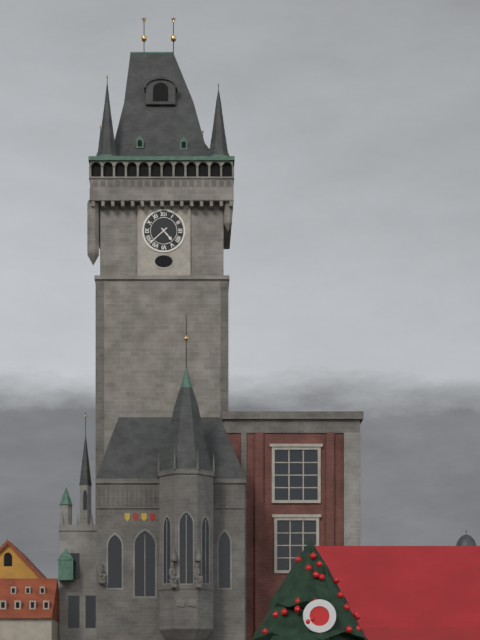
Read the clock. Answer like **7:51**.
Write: **4:38**
